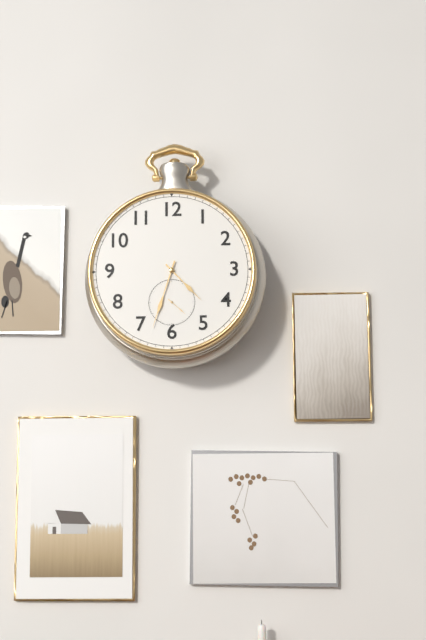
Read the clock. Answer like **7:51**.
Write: **4:33**
